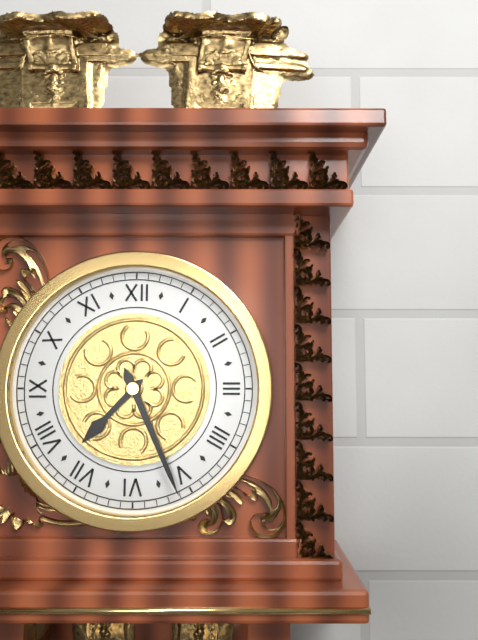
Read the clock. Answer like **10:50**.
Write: **7:26**
